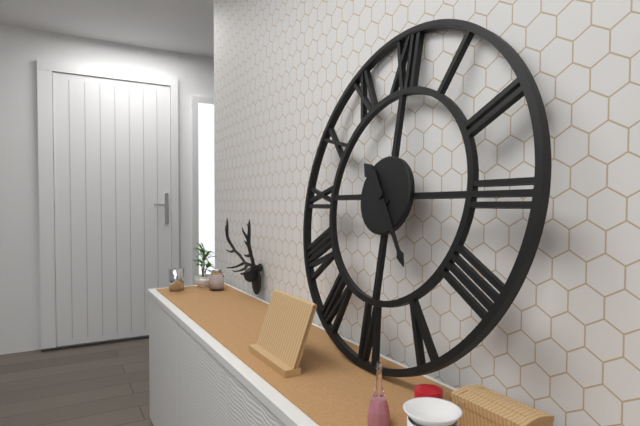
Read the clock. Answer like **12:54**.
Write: **10:24**
